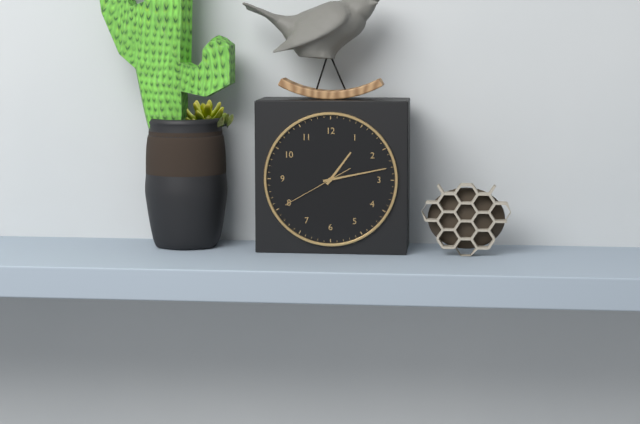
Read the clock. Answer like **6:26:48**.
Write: **1:13:40**
